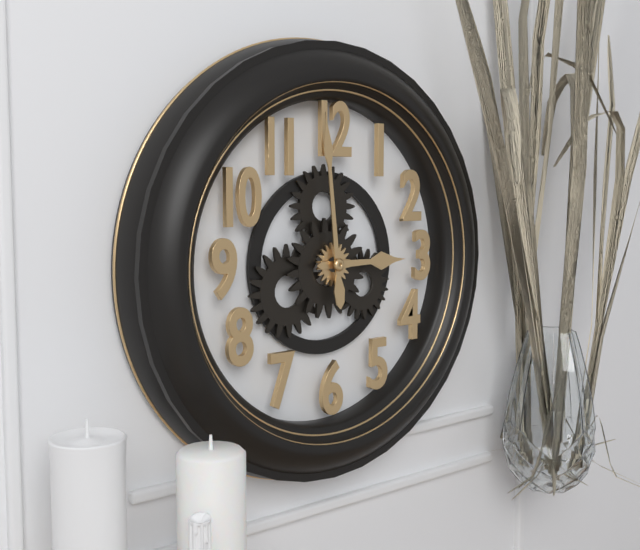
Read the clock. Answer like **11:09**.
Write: **2:59**
